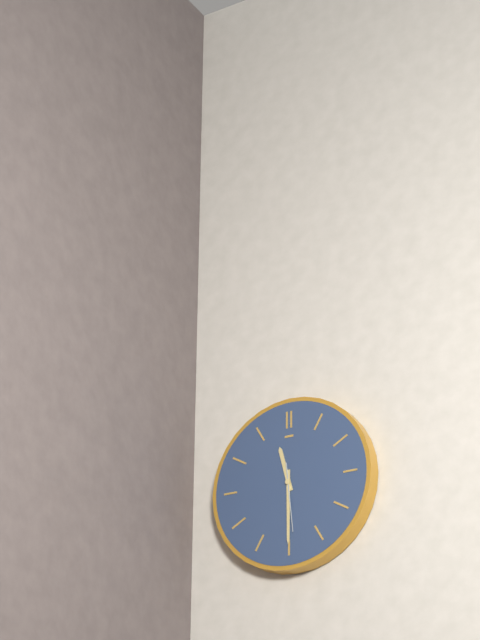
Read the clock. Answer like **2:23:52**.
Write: **11:30:29**
